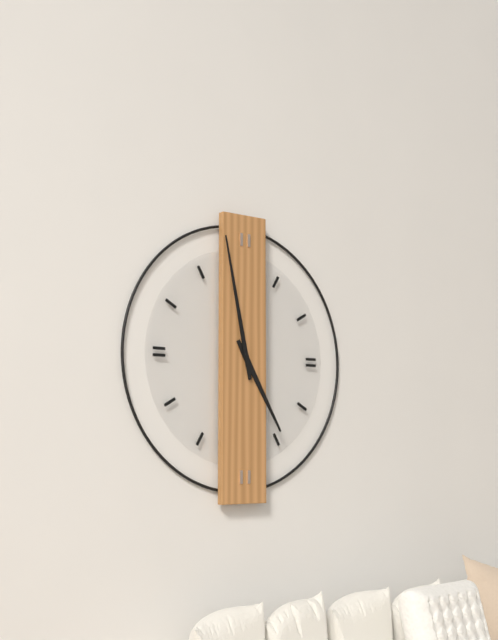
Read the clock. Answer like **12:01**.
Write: **4:58**
